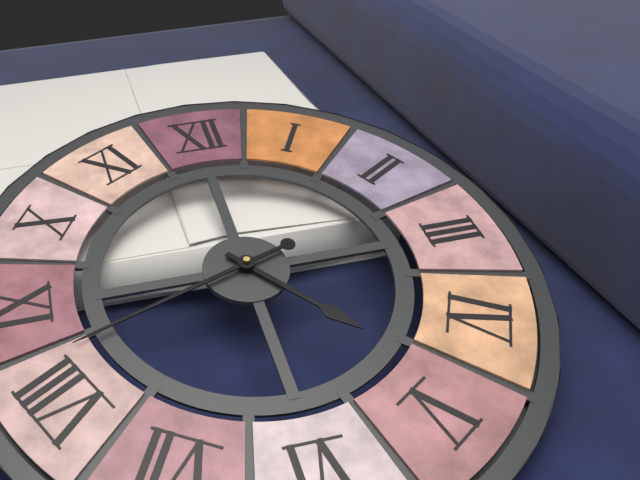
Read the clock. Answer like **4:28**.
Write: **4:42**
